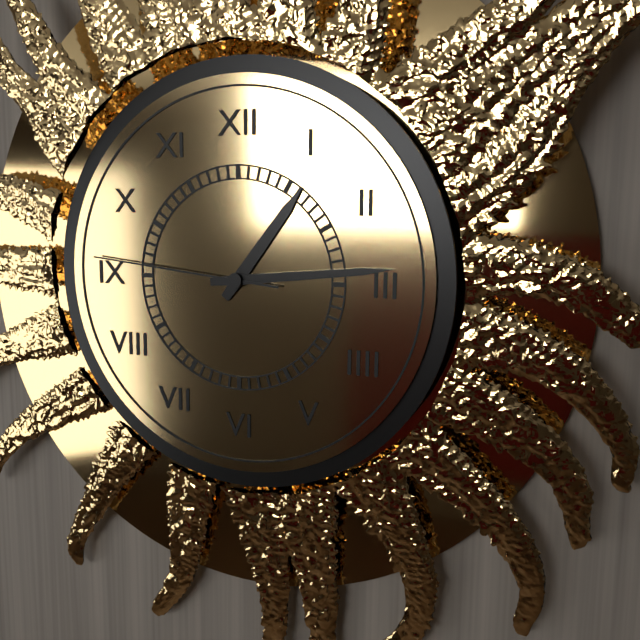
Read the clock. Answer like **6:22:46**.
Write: **1:14:46**
